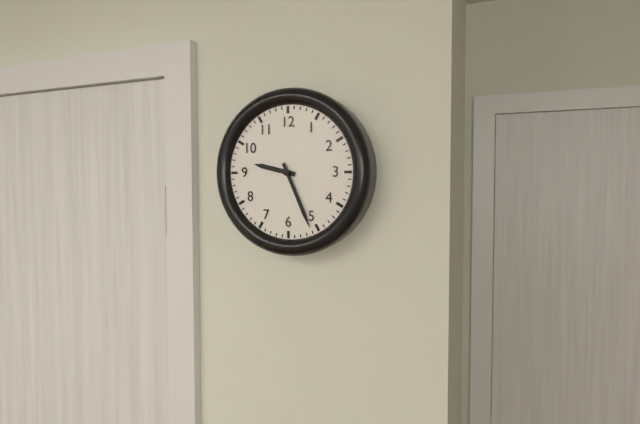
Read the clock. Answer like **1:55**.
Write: **9:26**
